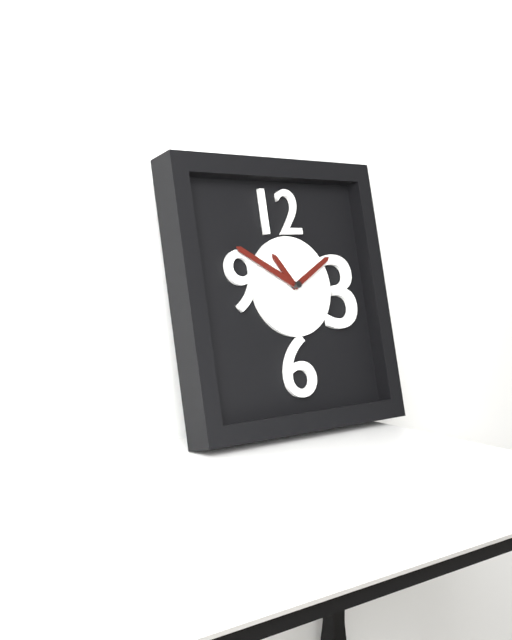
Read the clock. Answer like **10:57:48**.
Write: **10:50:10**
